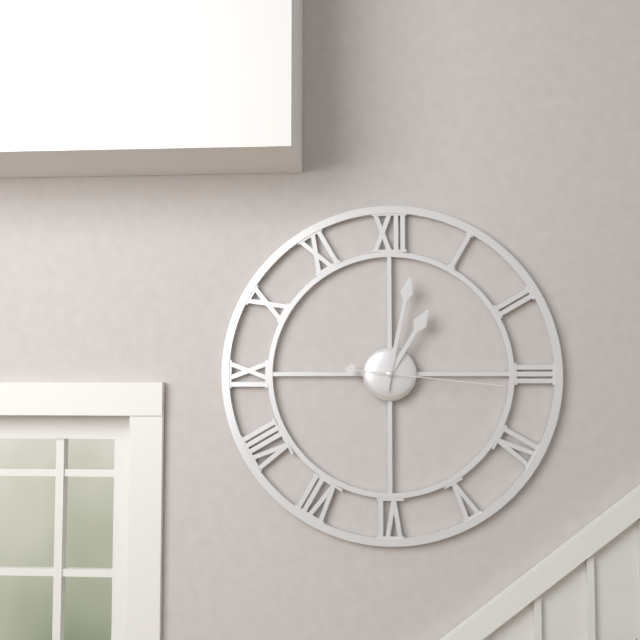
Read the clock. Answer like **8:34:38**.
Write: **1:02:16**
